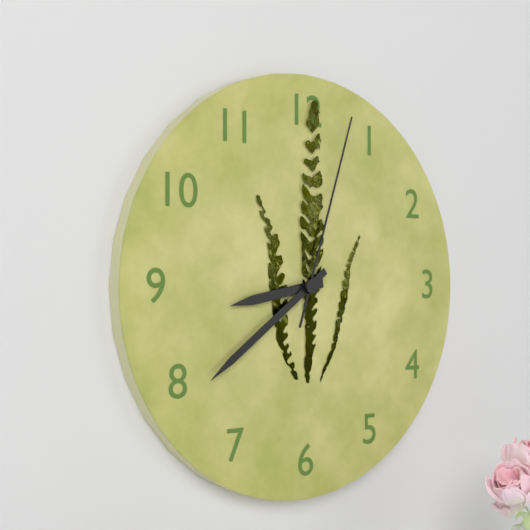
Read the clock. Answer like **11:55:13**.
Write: **8:39:03**
